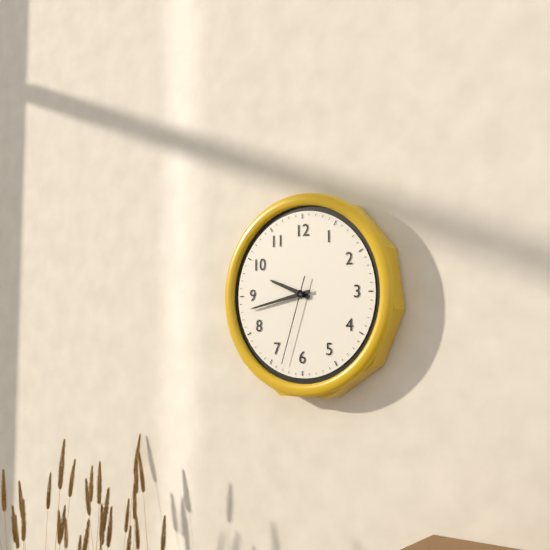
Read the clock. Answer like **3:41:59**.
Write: **9:43:33**
